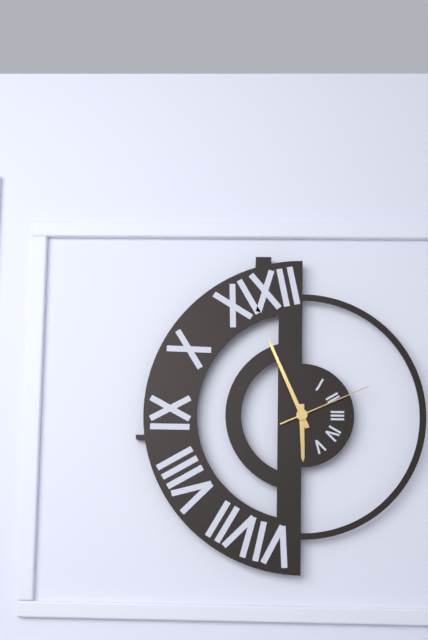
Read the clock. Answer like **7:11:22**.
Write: **5:56:11**
